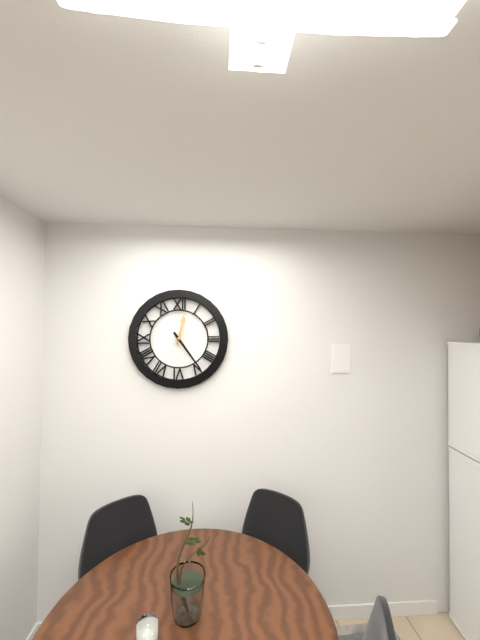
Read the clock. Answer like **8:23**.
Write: **12:24**
